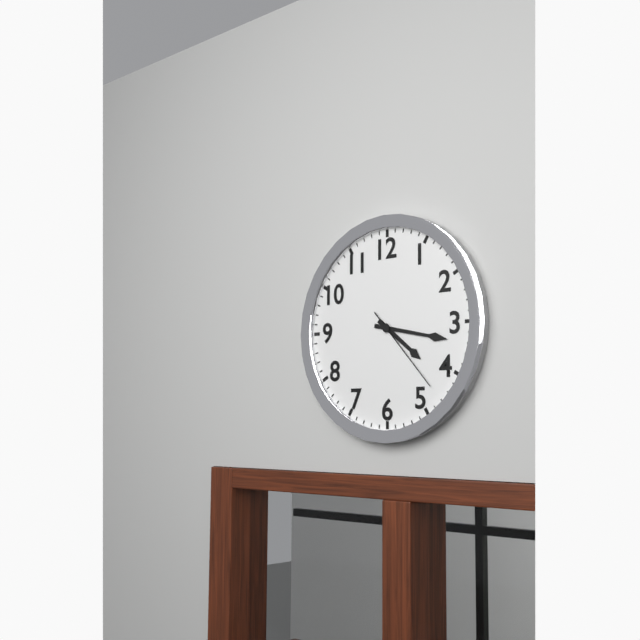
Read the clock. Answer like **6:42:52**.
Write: **4:17:23**
